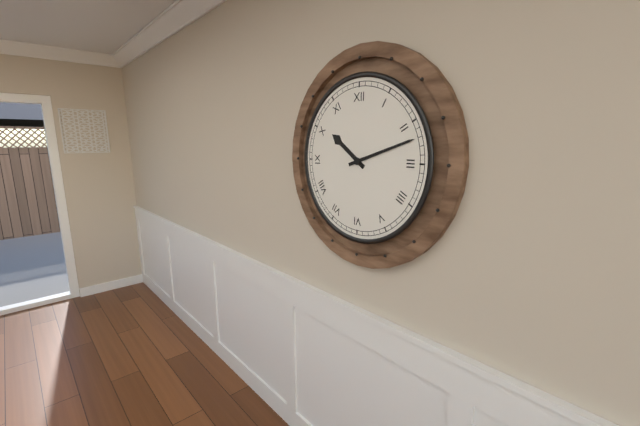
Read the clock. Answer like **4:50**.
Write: **10:12**
